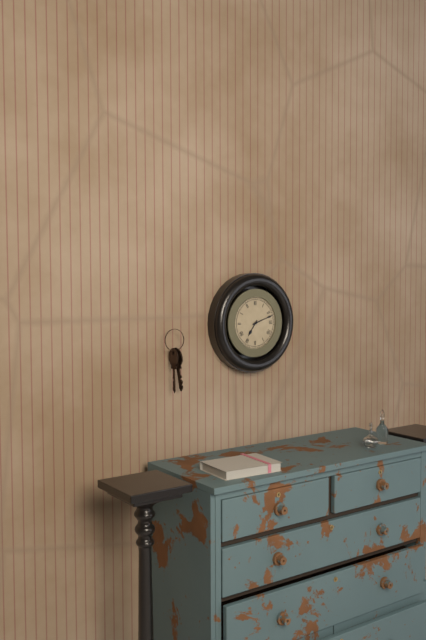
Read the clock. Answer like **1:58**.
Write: **7:12**
